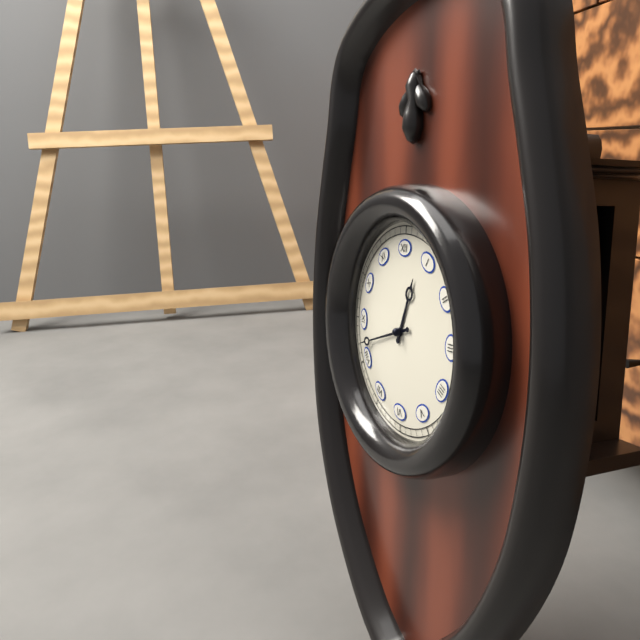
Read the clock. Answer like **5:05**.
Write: **12:42**
